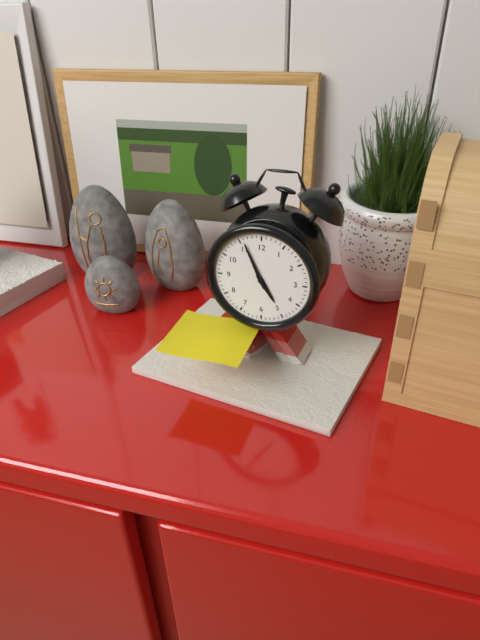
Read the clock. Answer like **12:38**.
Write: **4:56**
